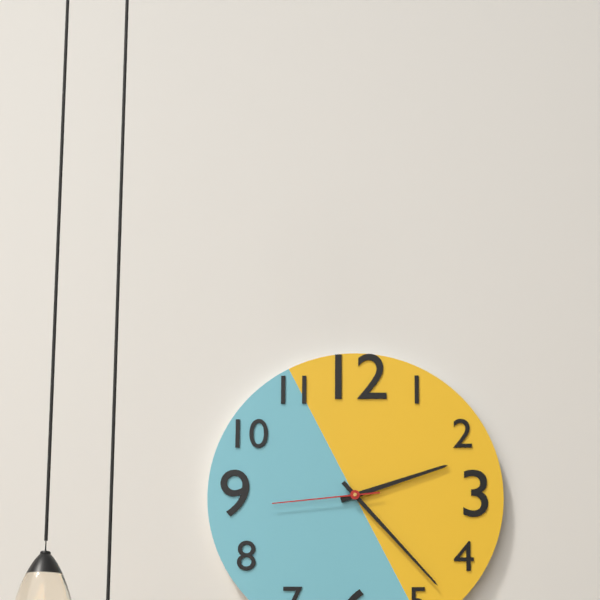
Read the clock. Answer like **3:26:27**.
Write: **2:23:44**
